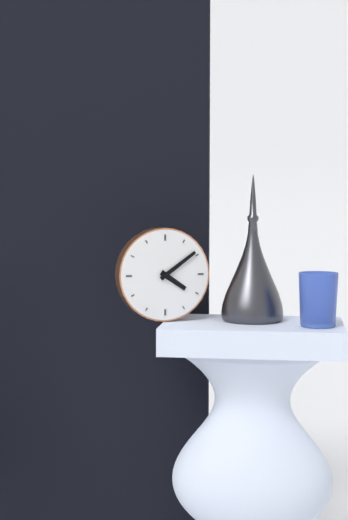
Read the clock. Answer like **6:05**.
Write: **4:09**
